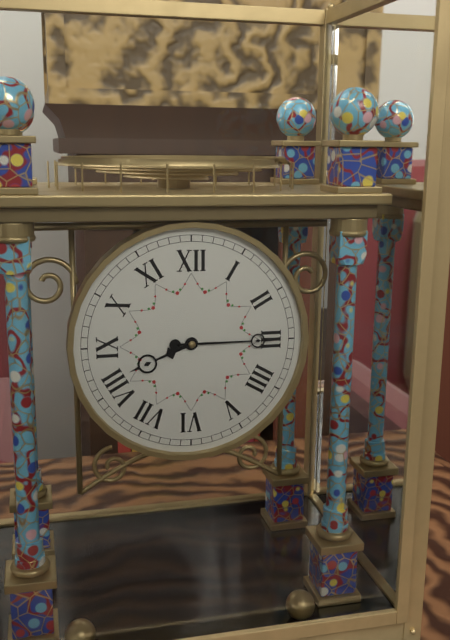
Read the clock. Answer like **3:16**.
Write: **8:15**
